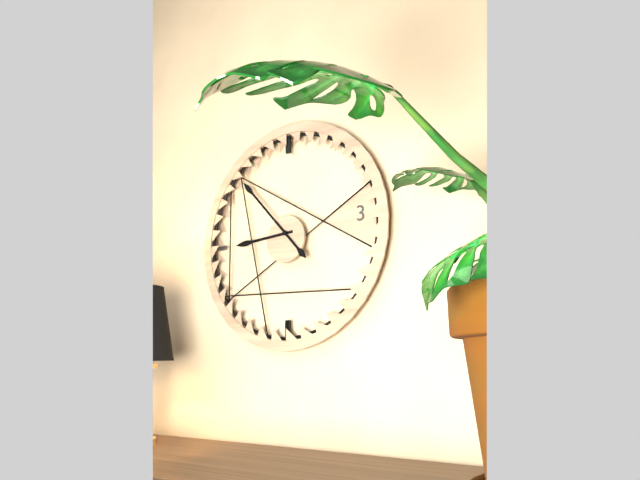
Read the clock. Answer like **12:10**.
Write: **8:53**
